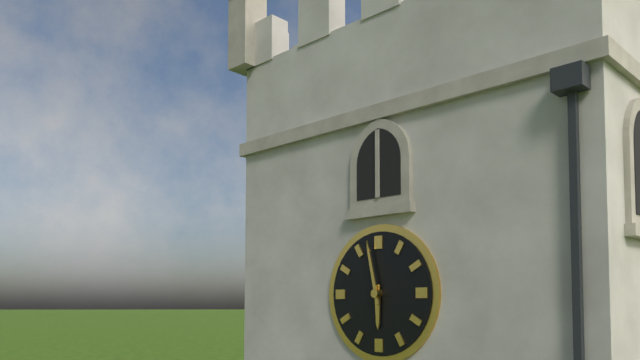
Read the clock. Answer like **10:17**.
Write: **5:58**
